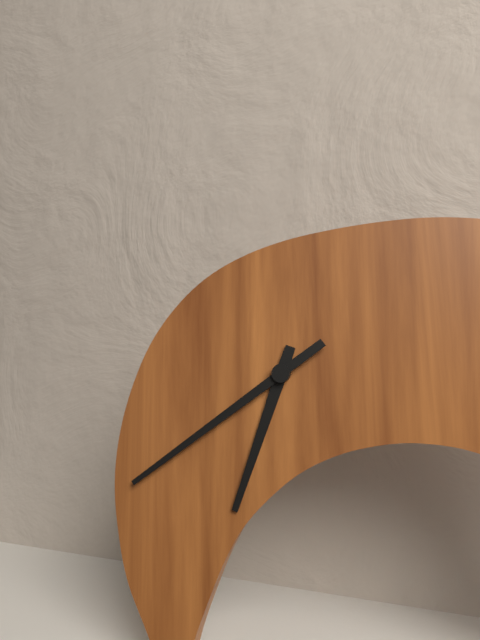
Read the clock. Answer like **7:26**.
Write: **6:39**
